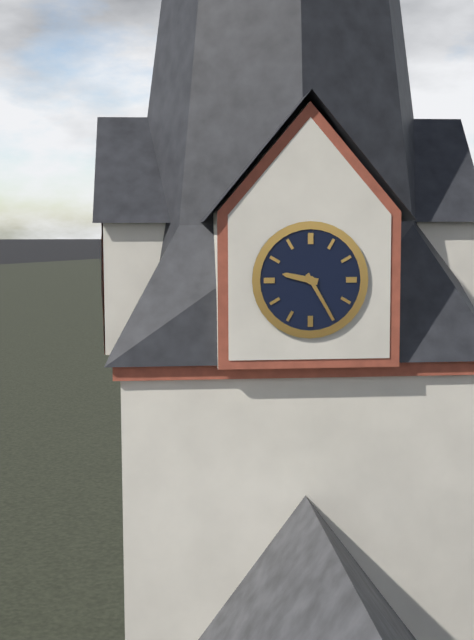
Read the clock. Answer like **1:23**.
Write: **9:25**
